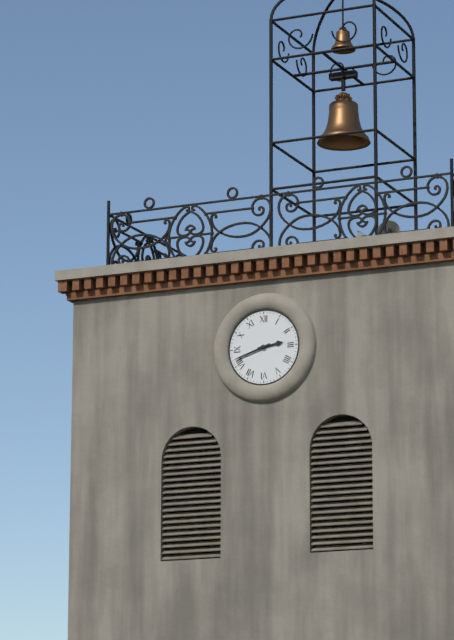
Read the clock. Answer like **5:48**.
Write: **2:42**
